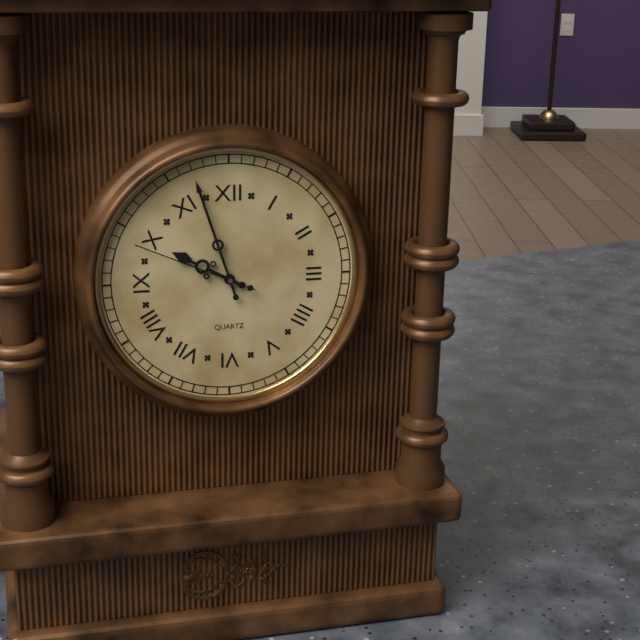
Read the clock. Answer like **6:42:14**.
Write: **9:57:49**
